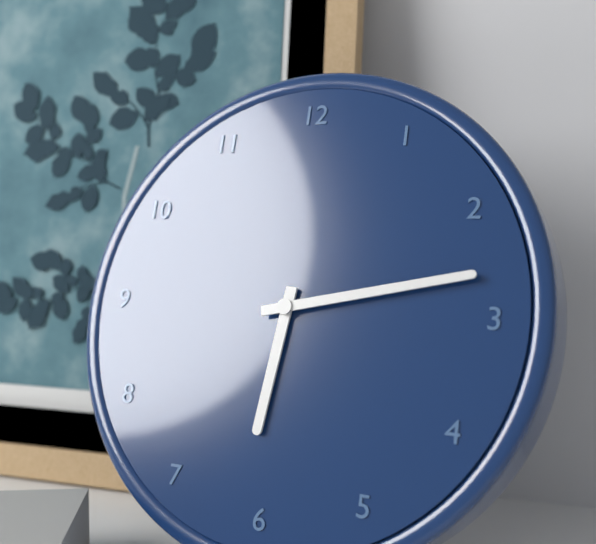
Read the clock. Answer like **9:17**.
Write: **6:13**
